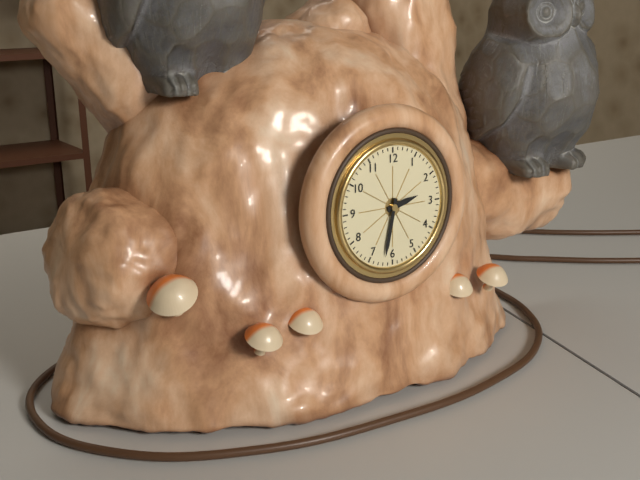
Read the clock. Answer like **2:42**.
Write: **2:32**
